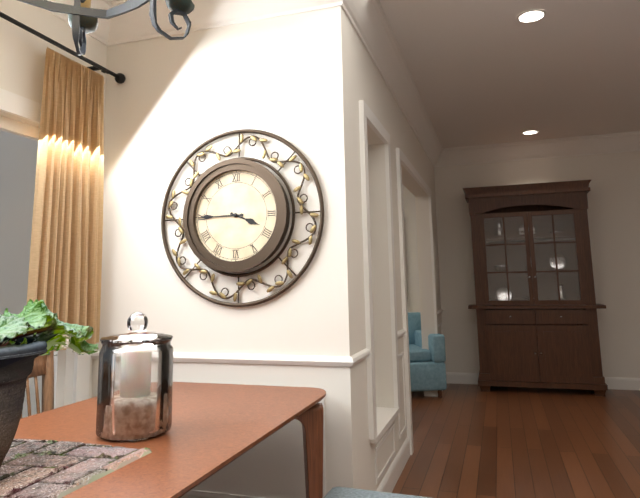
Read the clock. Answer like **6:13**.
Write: **3:45**
